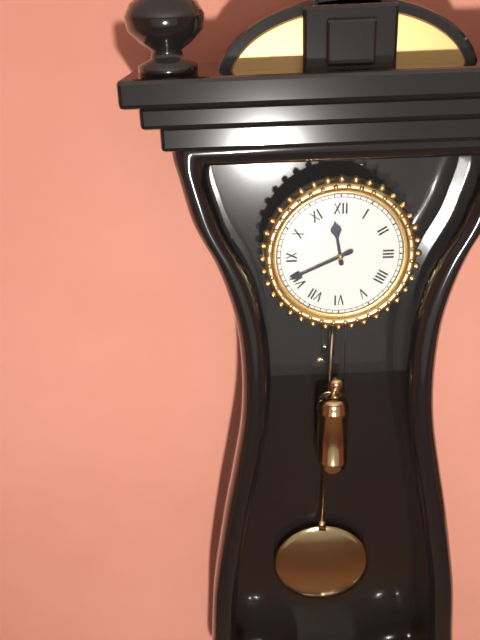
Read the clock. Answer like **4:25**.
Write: **11:41**
